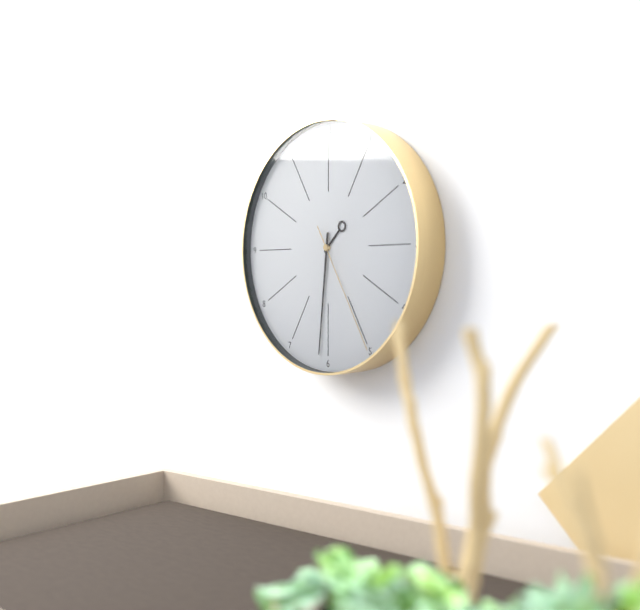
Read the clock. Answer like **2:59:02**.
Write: **1:31:25**
